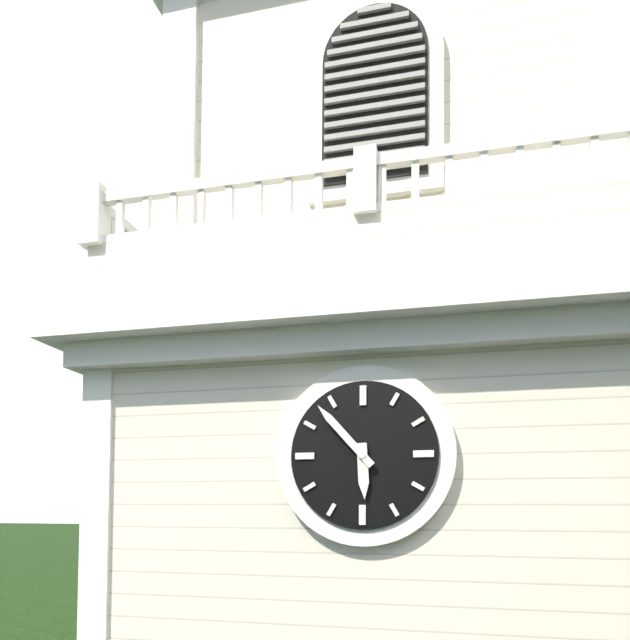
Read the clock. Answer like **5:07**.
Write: **5:53**
